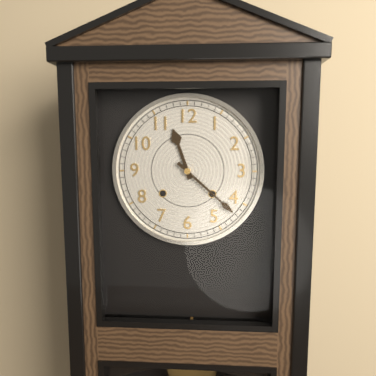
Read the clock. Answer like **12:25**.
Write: **11:22**
